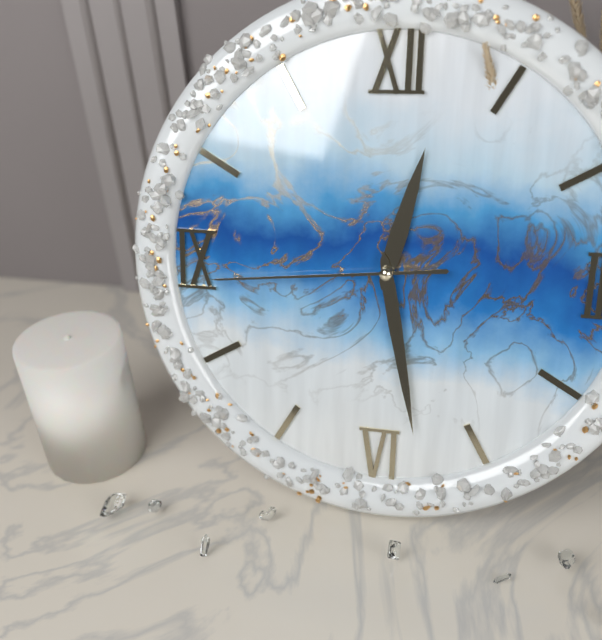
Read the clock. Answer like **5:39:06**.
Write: **12:28:44**
